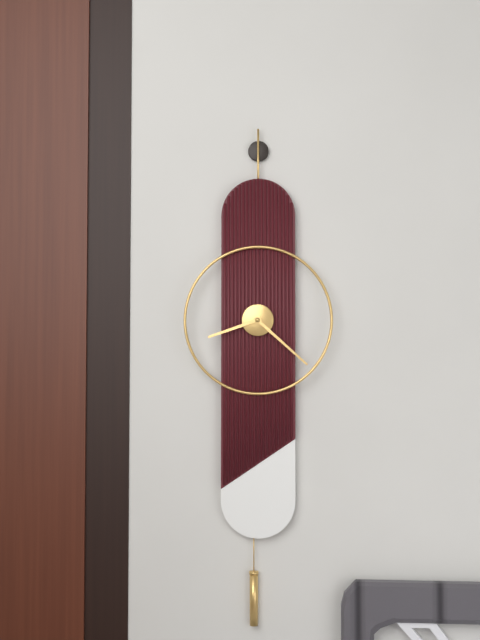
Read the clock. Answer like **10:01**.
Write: **8:22**
